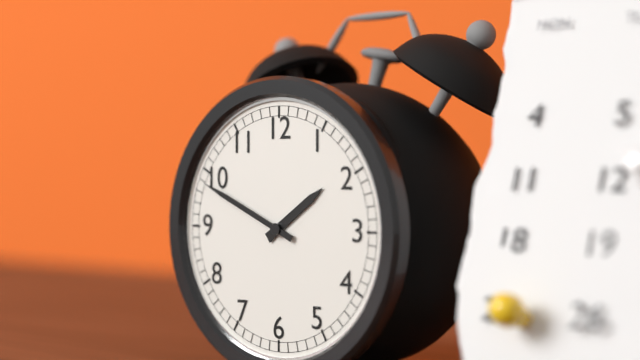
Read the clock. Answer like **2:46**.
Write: **1:49**
